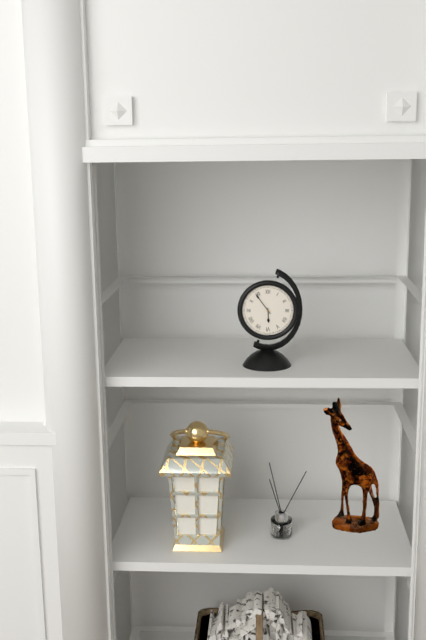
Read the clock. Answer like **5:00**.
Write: **5:54**
